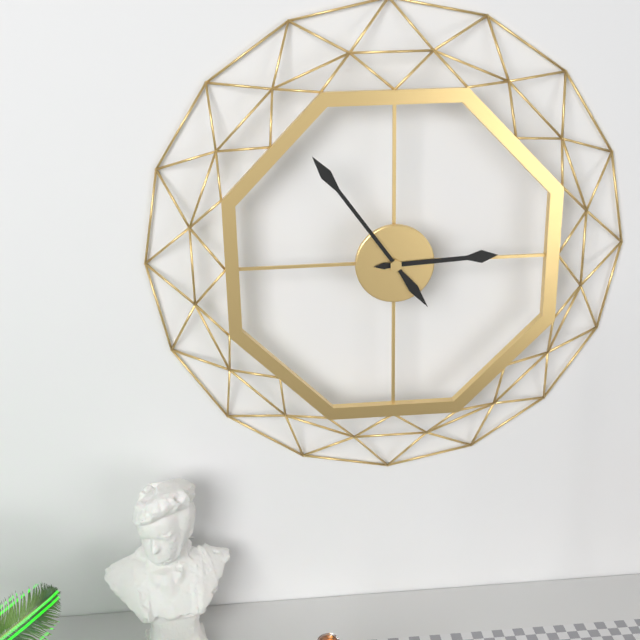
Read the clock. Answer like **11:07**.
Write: **2:54**
